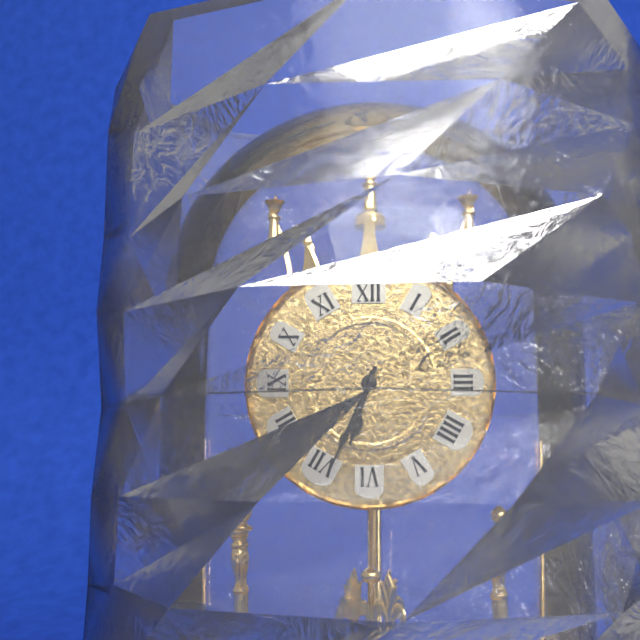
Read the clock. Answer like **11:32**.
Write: **6:34**
